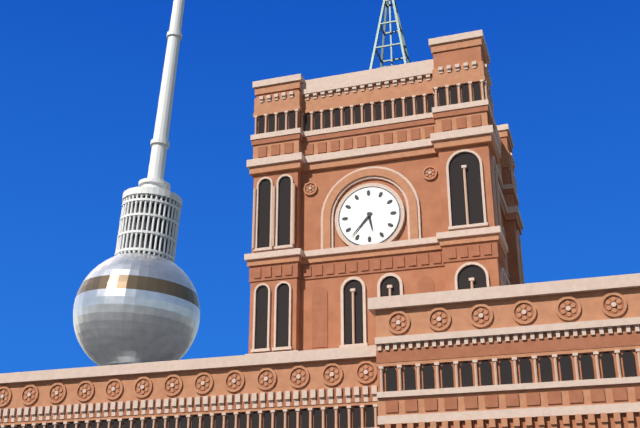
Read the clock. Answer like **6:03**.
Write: **5:37**
